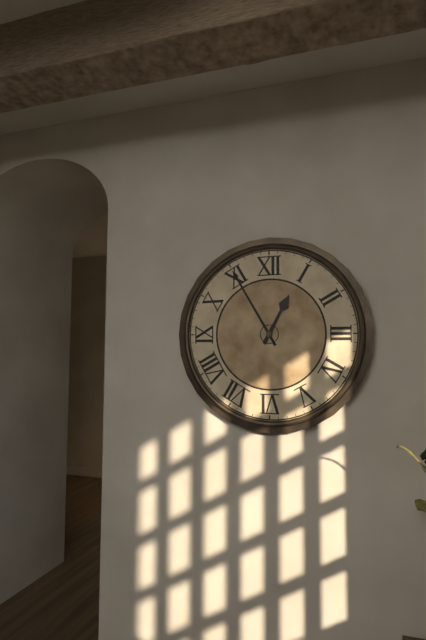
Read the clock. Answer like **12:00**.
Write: **12:55**
